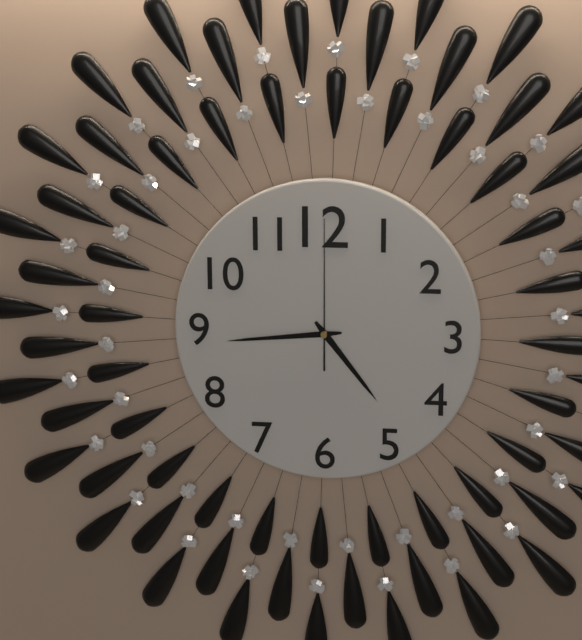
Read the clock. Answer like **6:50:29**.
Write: **4:44:00**
